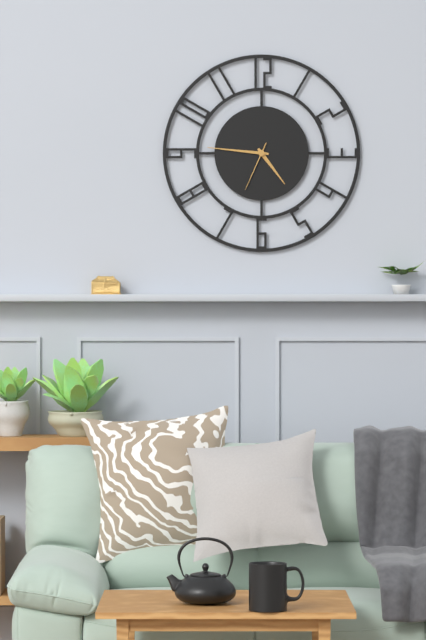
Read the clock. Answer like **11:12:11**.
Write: **4:46:34**
